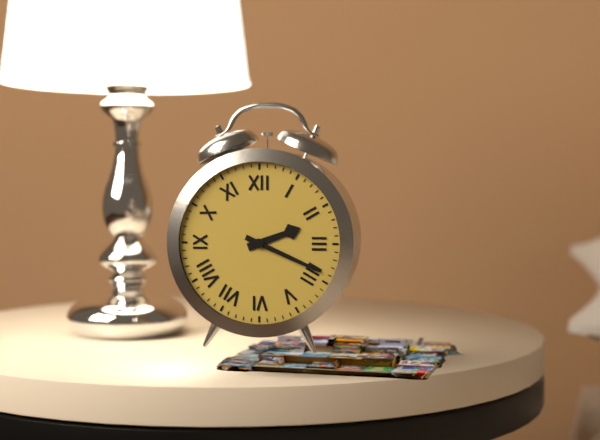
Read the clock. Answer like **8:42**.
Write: **2:19**
